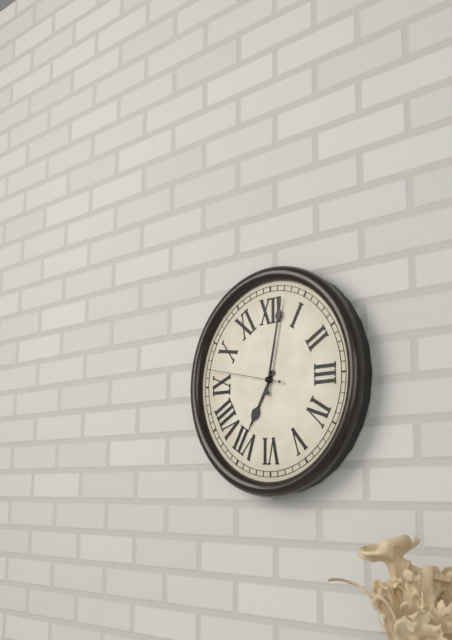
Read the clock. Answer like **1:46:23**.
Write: **7:02:47**
